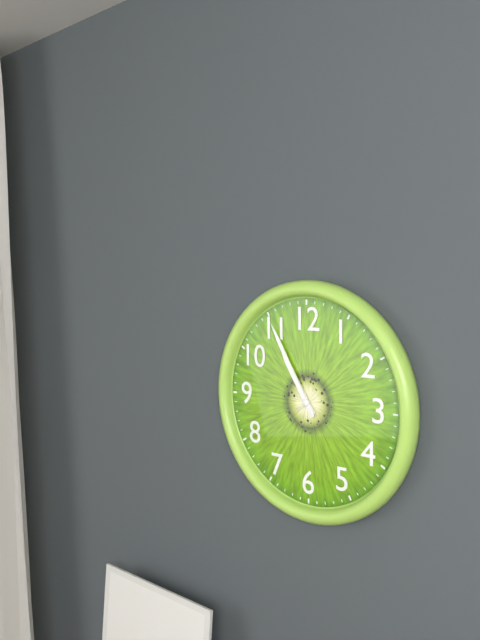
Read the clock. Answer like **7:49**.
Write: **10:55**
